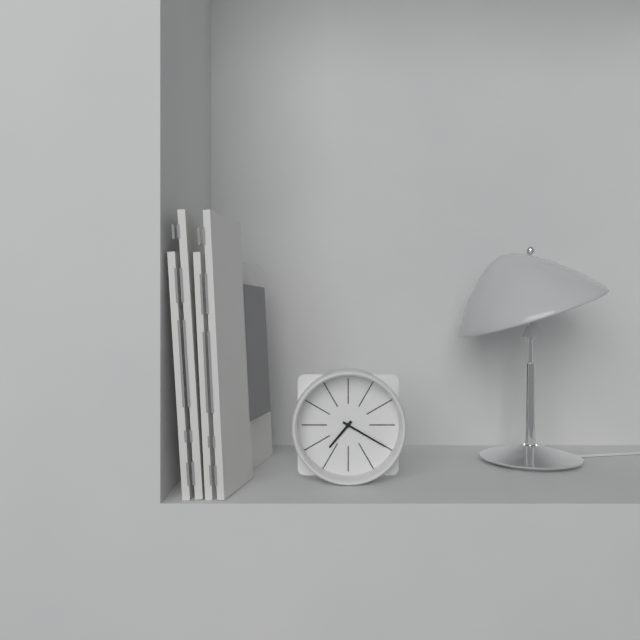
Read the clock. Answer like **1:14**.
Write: **7:20**
